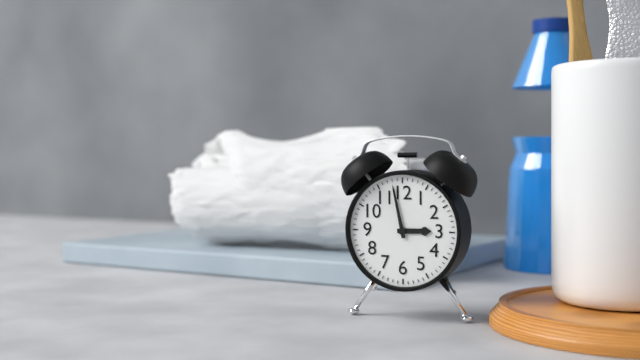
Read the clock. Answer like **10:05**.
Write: **2:58**
